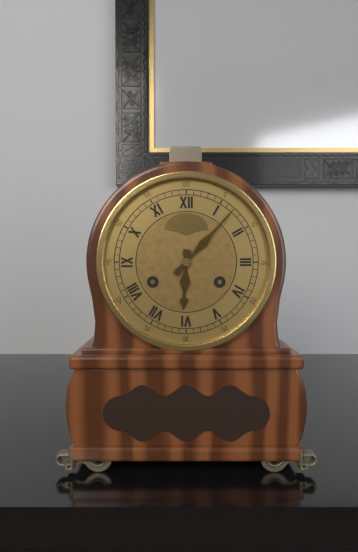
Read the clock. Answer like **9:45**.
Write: **6:07**
